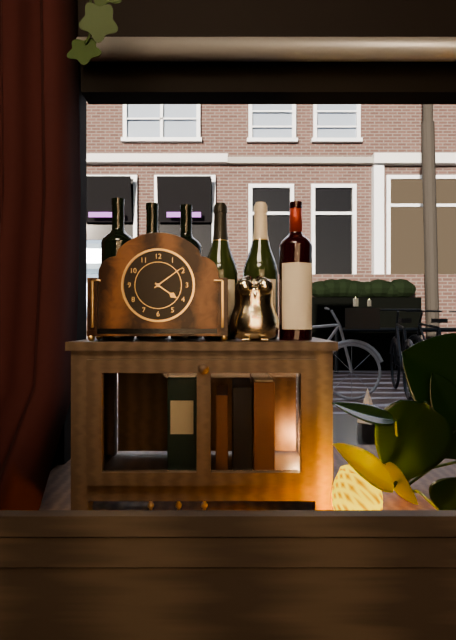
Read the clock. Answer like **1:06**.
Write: **4:09**
